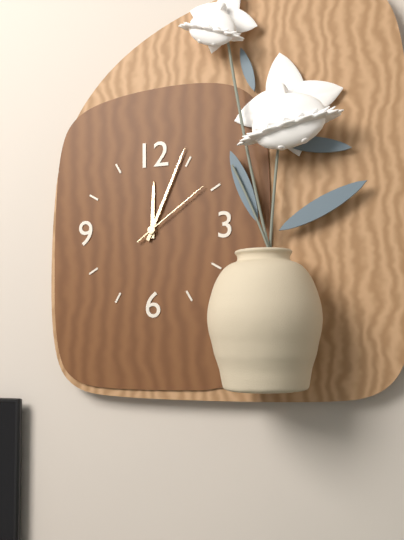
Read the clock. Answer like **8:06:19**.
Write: **12:04:09**
